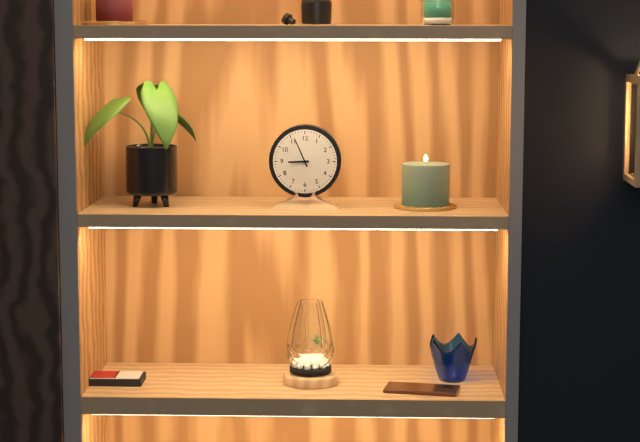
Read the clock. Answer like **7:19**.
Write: **8:56**
